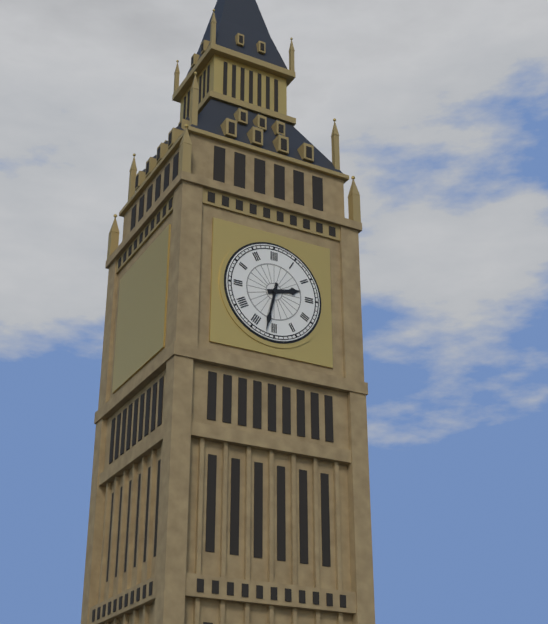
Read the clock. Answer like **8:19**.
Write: **2:32**
